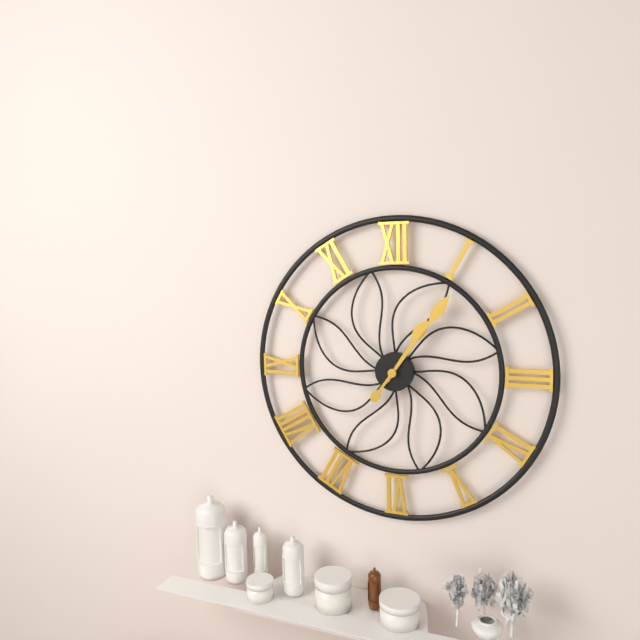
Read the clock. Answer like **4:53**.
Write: **1:06**
